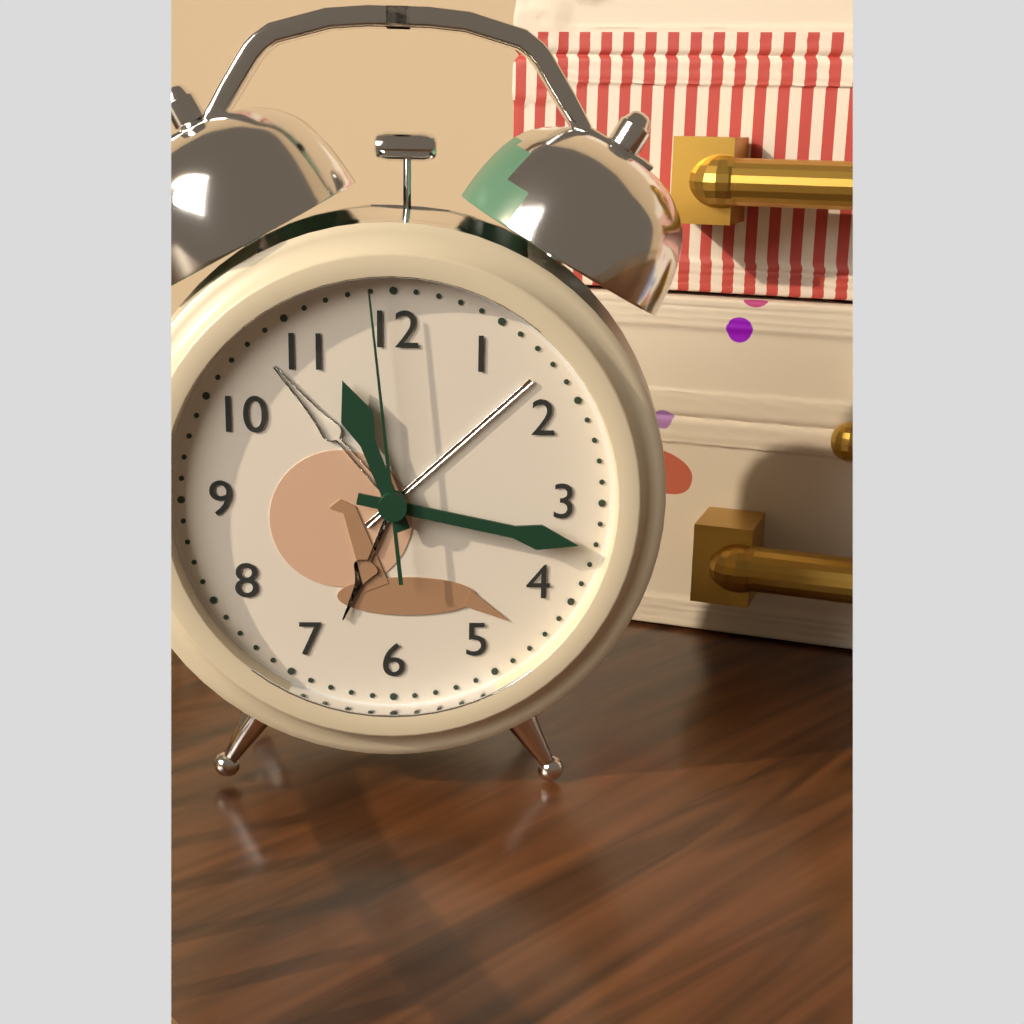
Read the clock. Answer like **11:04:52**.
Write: **11:17:59**
